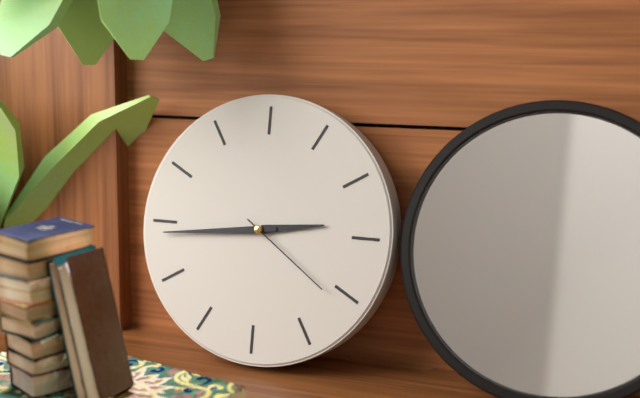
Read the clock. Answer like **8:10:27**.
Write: **2:44:21**
